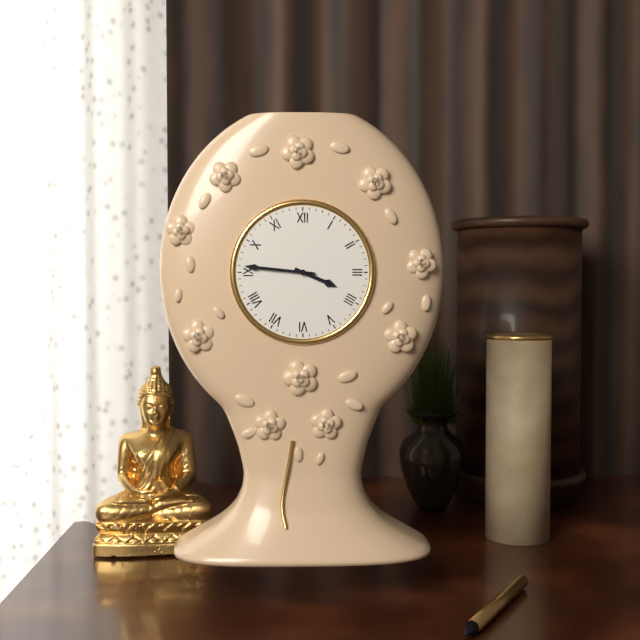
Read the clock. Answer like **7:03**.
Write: **3:46**
